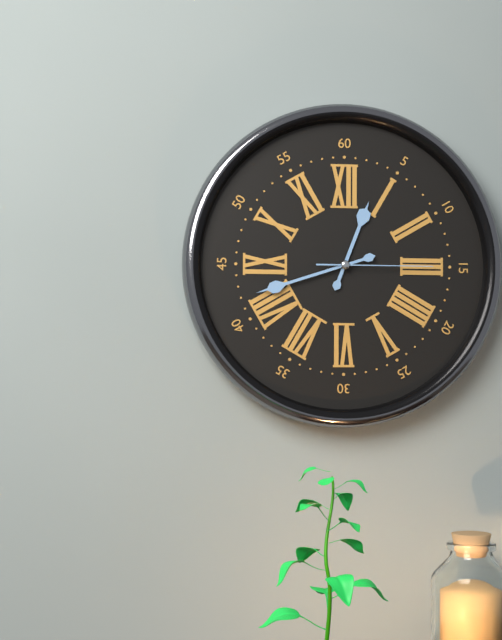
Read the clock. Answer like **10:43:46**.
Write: **12:42:15**
